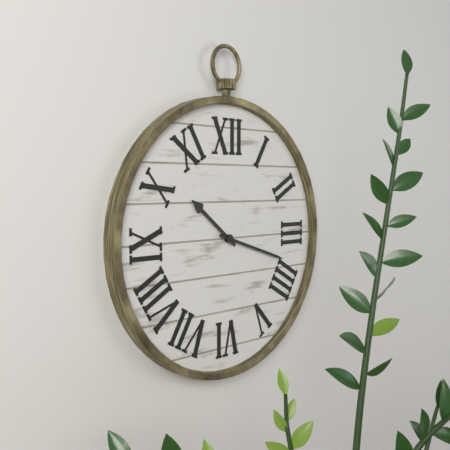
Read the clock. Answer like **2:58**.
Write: **10:18**
